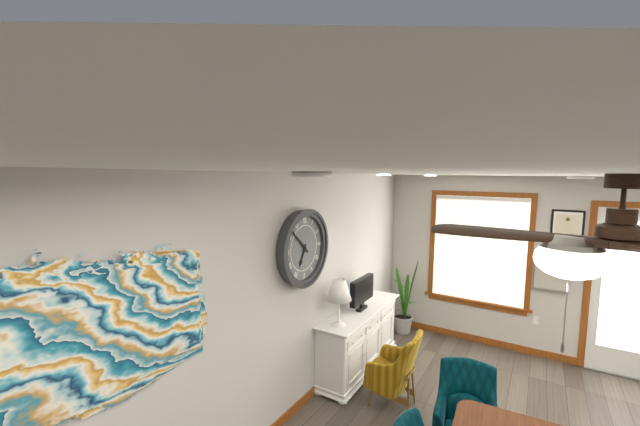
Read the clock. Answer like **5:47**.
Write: **6:52**
